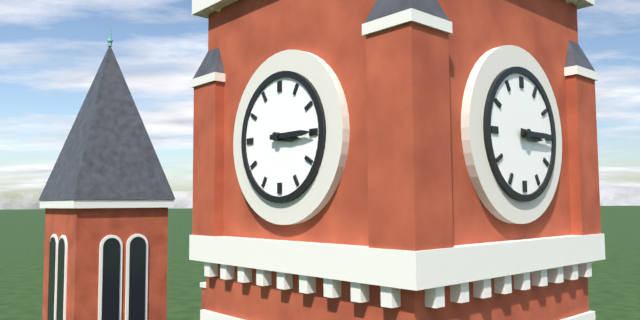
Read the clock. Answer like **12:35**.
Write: **3:15**
